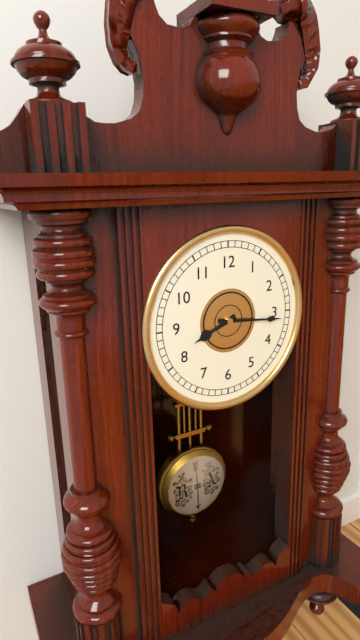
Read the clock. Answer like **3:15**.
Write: **8:16**
